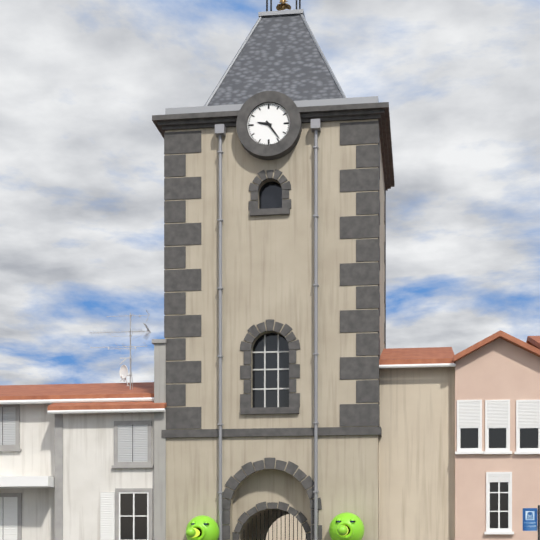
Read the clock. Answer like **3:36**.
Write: **9:24**
